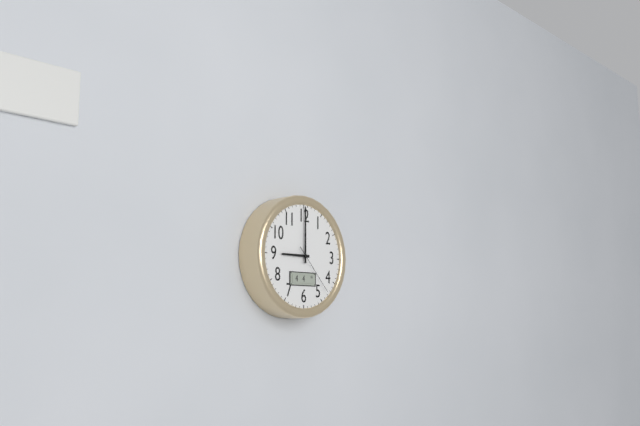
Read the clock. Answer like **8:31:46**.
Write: **9:00:23**
